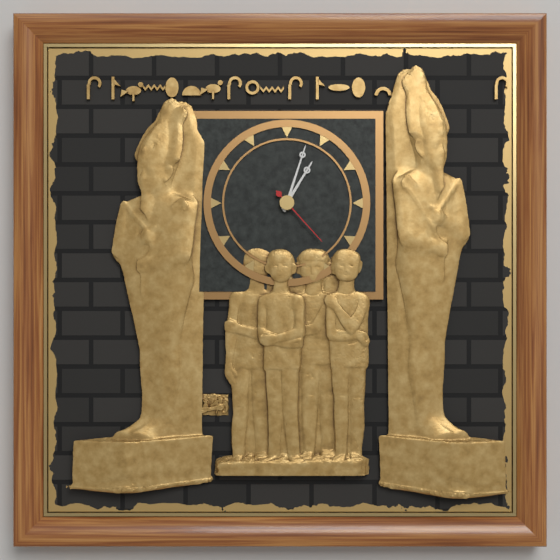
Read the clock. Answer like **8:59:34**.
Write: **1:03:23**
